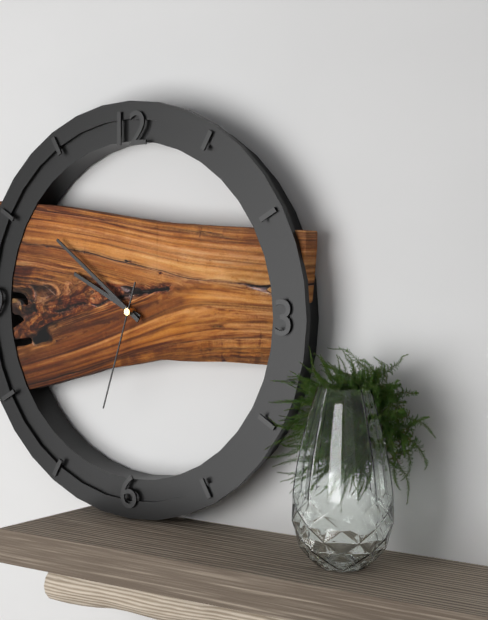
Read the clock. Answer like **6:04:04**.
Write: **9:51:33**
